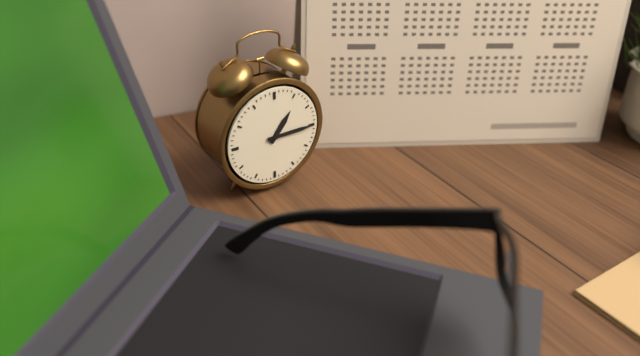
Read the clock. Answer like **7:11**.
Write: **1:15**
